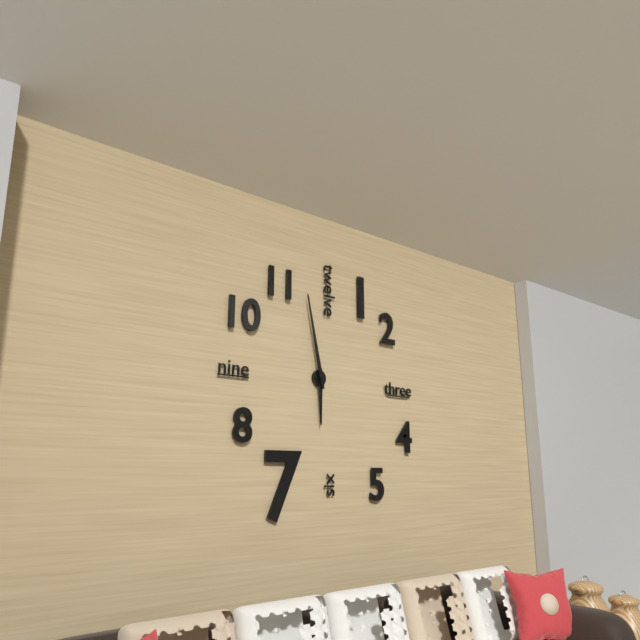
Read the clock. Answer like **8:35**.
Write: **5:58**
